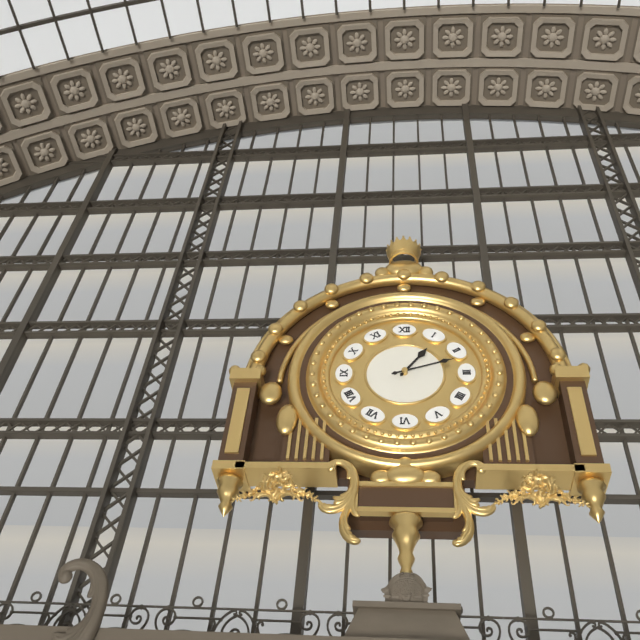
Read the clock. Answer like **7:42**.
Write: **1:12**
